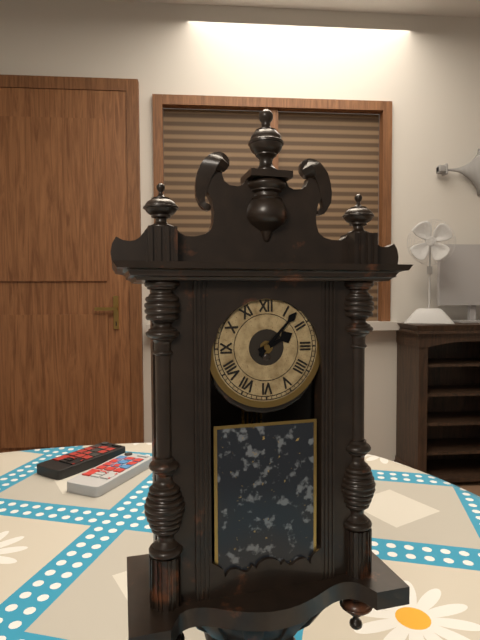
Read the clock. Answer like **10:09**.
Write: **2:07**
